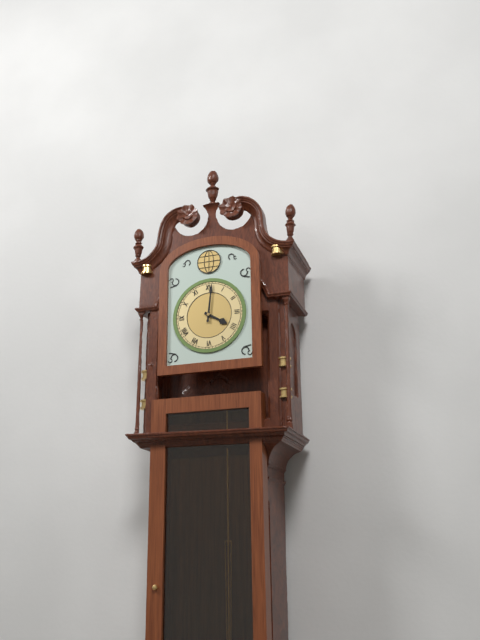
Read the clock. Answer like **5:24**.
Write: **4:01**
